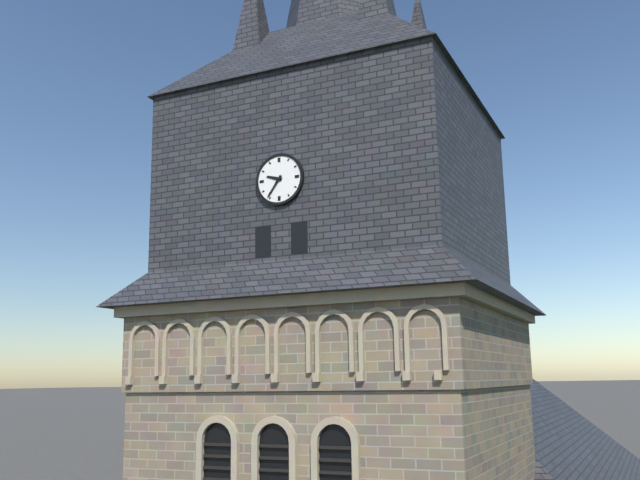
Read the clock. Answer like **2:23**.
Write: **9:36**
